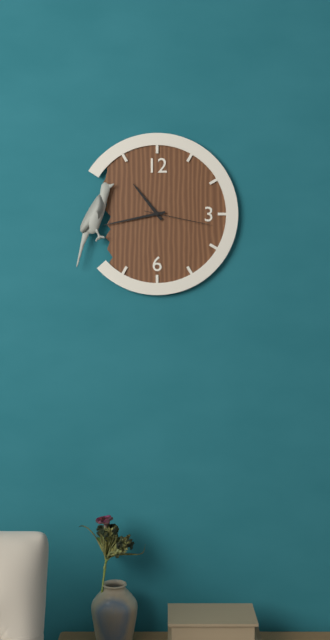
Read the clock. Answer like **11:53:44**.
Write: **10:43:17**
